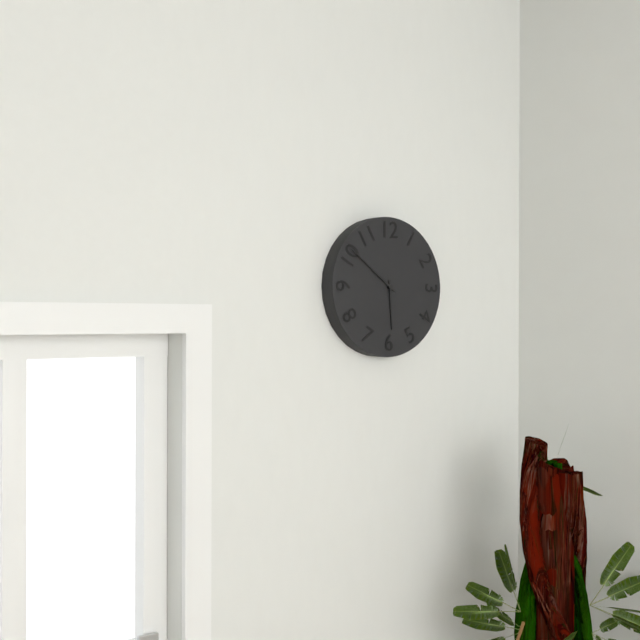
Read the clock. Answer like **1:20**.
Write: **5:51**
